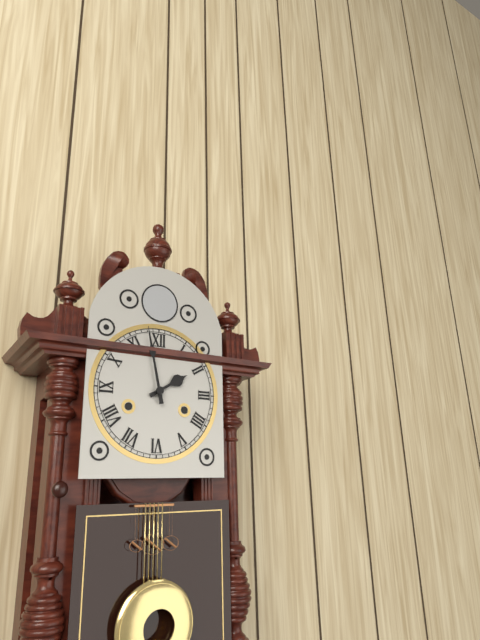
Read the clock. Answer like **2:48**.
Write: **1:58**
